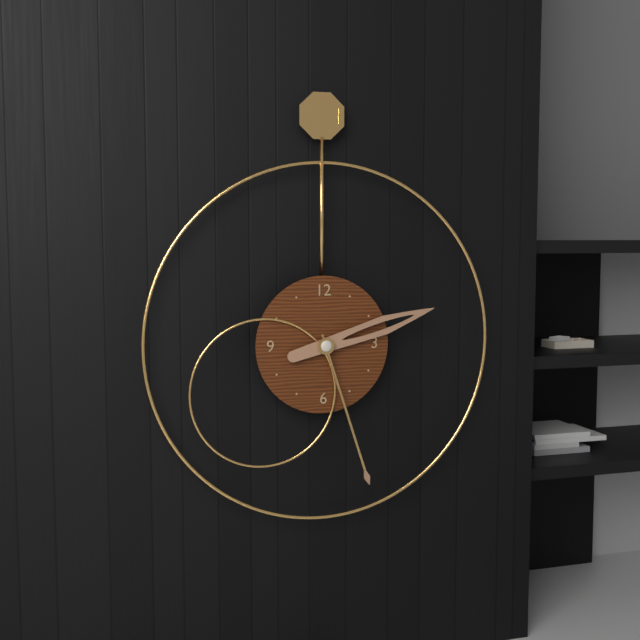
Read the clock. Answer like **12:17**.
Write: **2:27**
